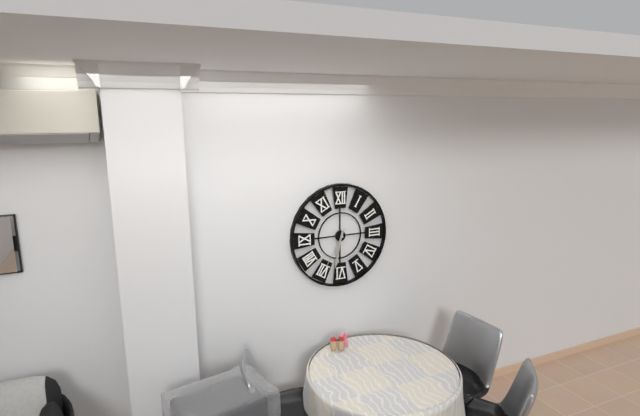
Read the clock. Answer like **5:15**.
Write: **6:32**
